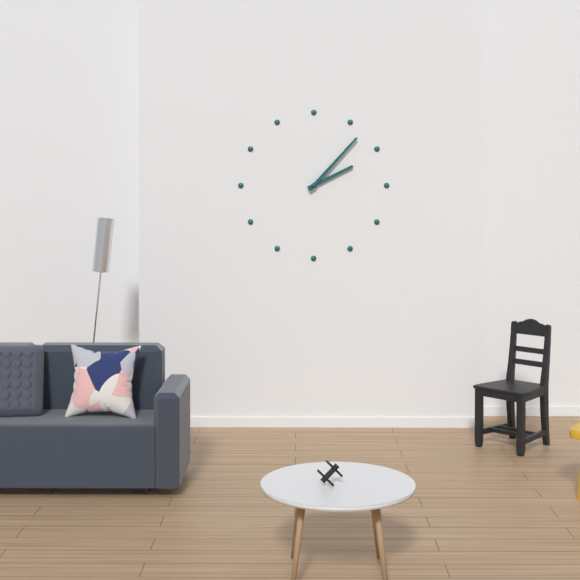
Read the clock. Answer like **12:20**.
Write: **2:07**
